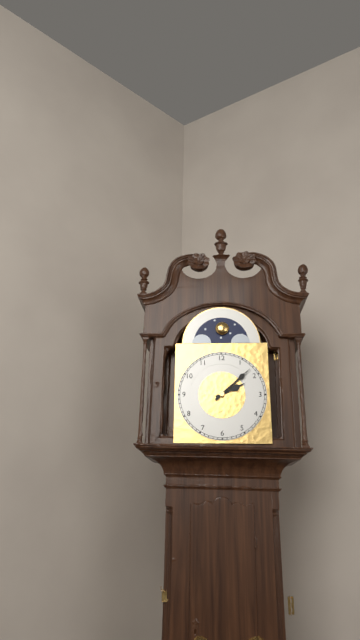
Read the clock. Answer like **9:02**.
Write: **2:08**
